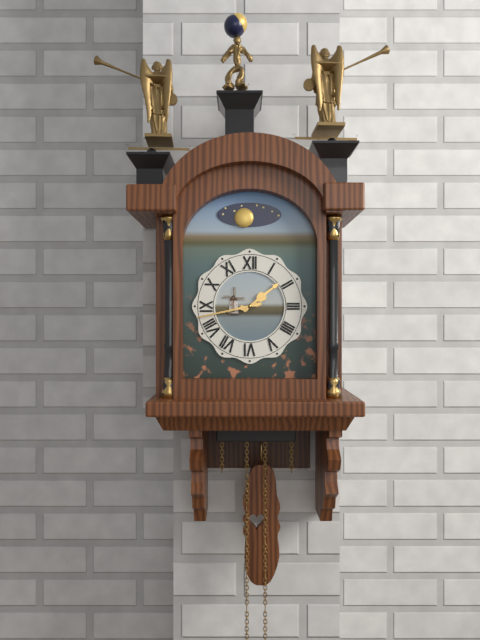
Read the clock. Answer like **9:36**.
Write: **1:43**
